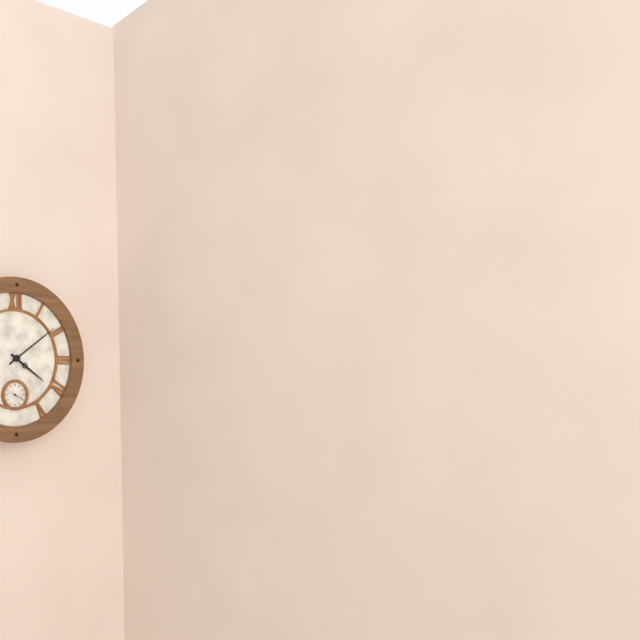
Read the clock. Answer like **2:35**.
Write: **4:09**
